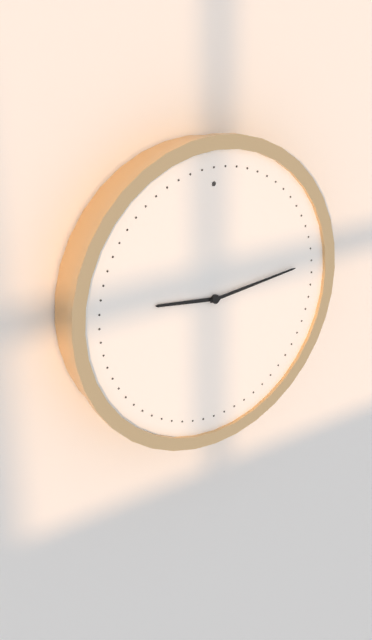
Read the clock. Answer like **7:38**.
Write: **9:14**
